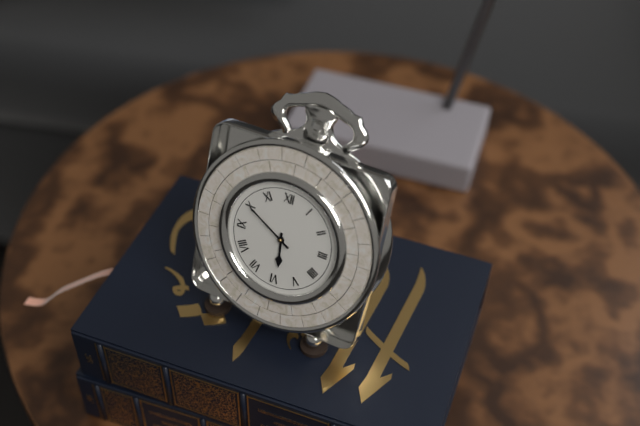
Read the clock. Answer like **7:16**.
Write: **5:50**
